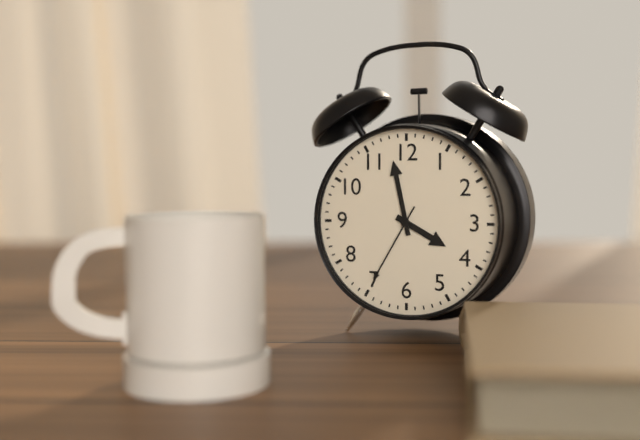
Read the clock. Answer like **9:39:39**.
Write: **3:58:35**
